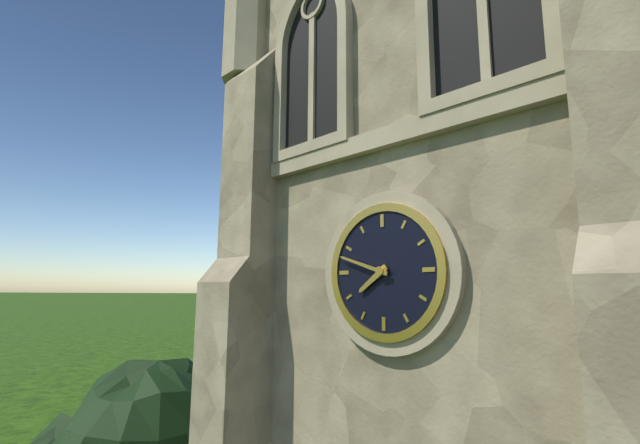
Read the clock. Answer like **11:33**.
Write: **7:48**
